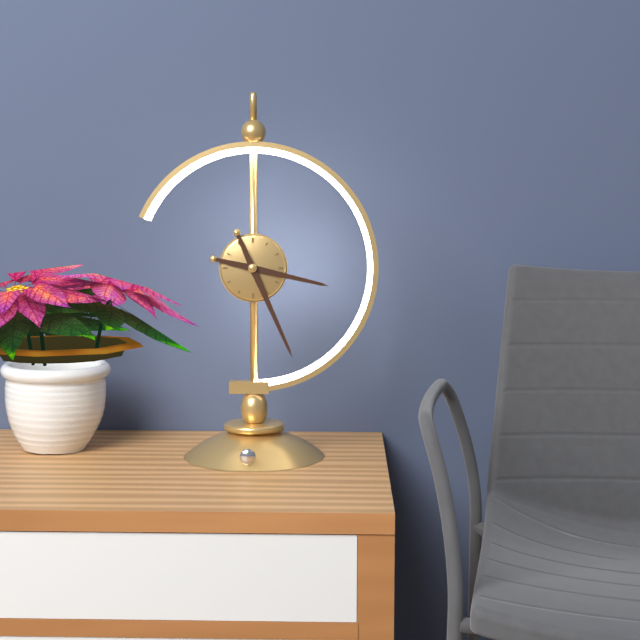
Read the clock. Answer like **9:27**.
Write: **3:26**
